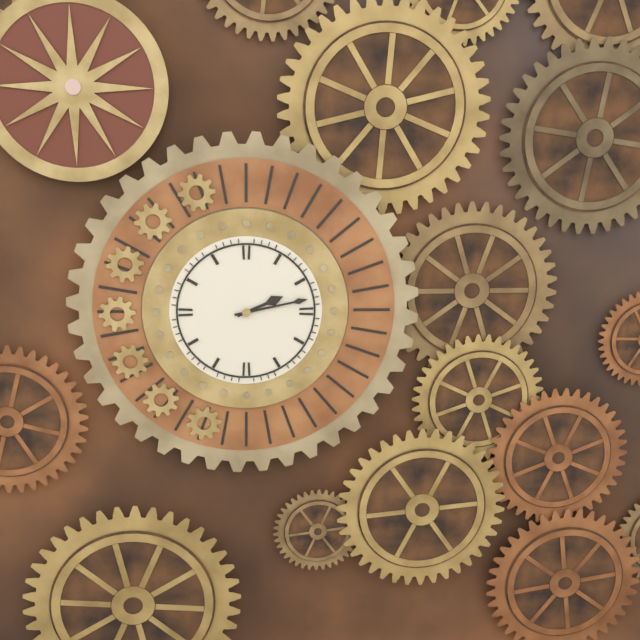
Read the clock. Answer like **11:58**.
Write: **2:13**
